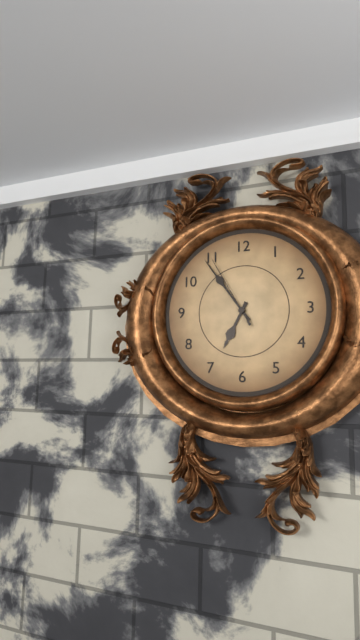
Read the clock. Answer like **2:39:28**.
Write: **6:54:55**
